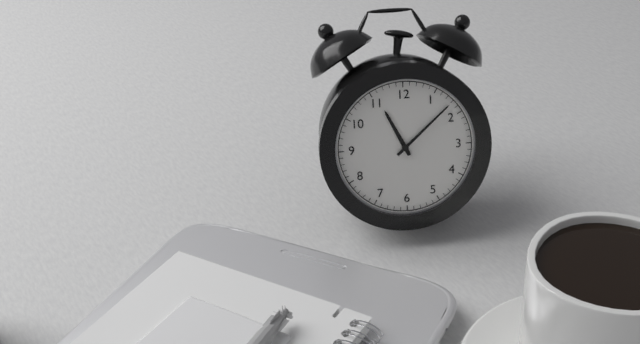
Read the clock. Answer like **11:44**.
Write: **11:08**
